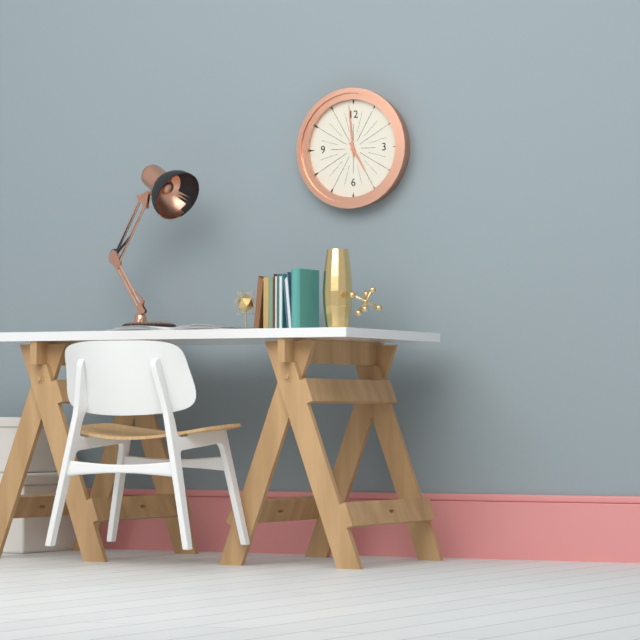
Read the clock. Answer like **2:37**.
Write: **4:59**
